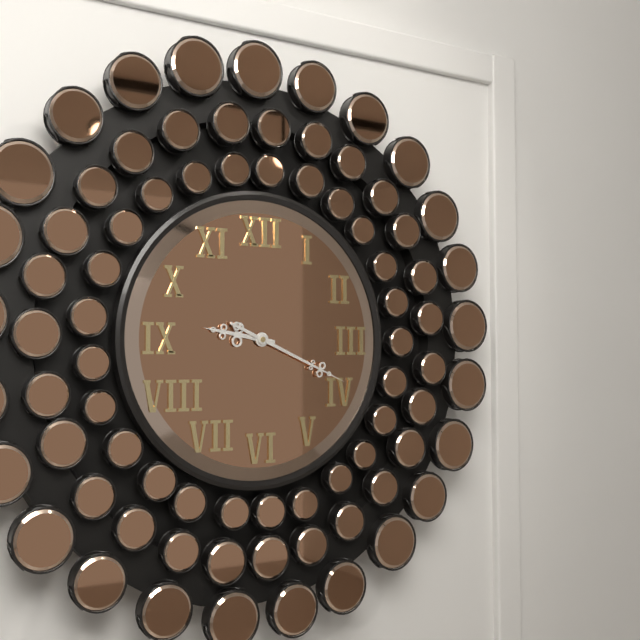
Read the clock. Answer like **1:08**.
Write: **9:19**
